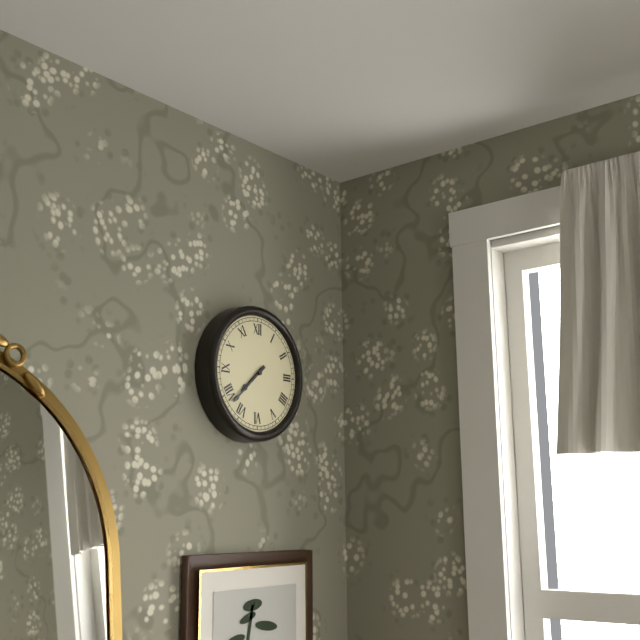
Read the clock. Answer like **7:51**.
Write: **7:38**
